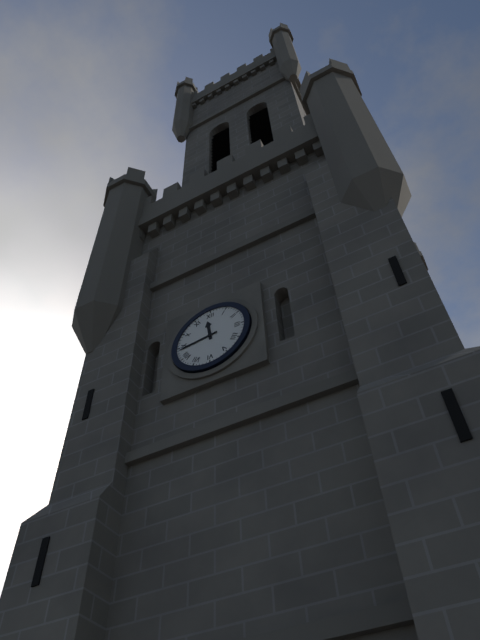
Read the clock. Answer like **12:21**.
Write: **11:44**
